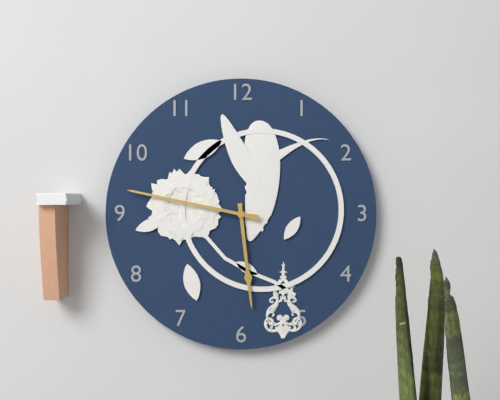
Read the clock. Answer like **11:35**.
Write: **5:47**
